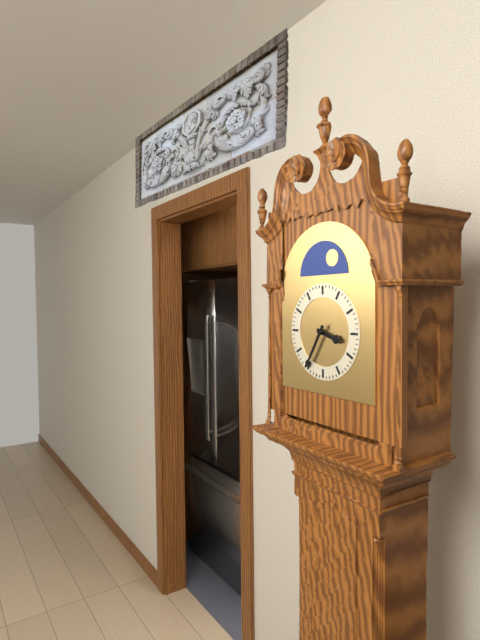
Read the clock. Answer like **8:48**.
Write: **3:35**
